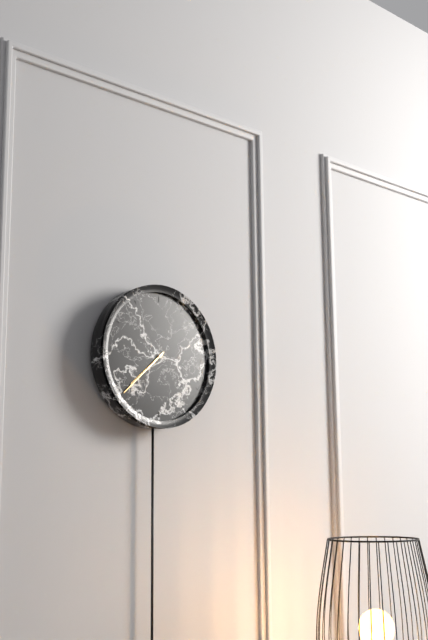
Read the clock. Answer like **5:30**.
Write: **7:38**
